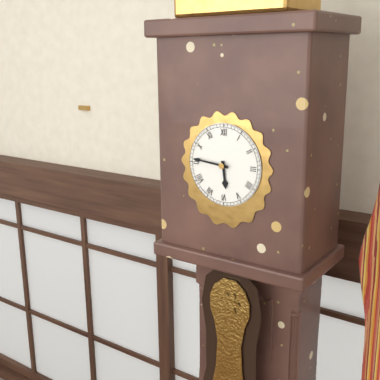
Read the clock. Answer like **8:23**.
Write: **5:46**
